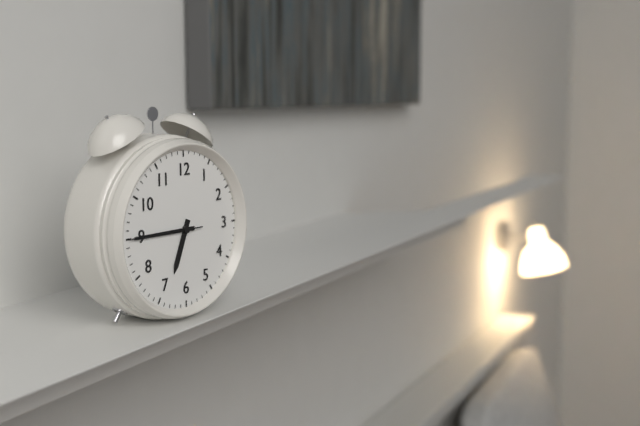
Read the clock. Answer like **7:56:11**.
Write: **6:45:45**
